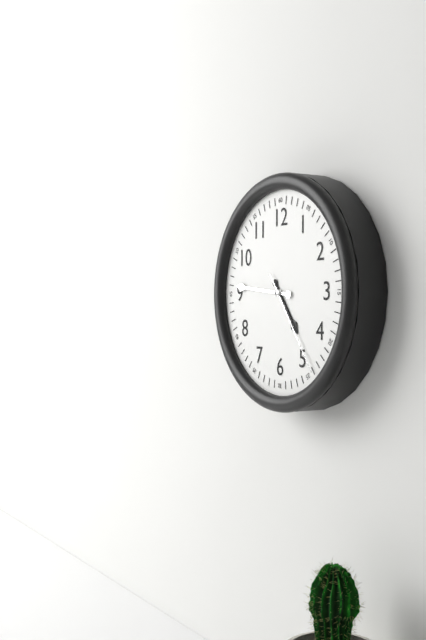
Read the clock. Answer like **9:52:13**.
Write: **4:46:24**
